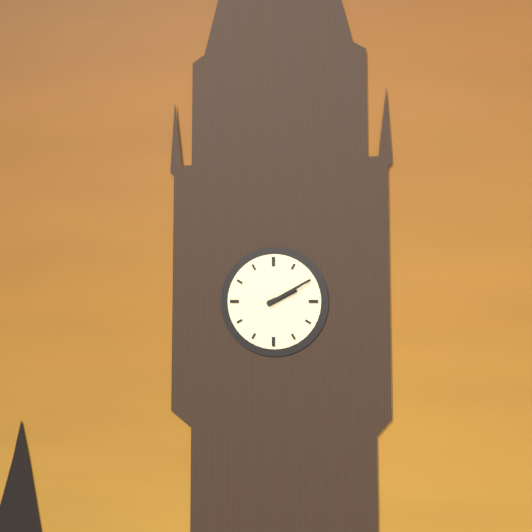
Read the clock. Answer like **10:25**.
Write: **2:10**
